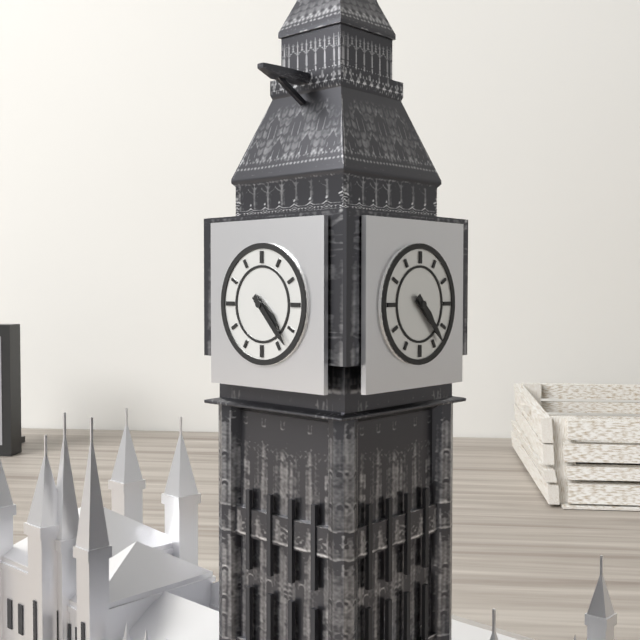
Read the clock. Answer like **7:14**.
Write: **4:23**
